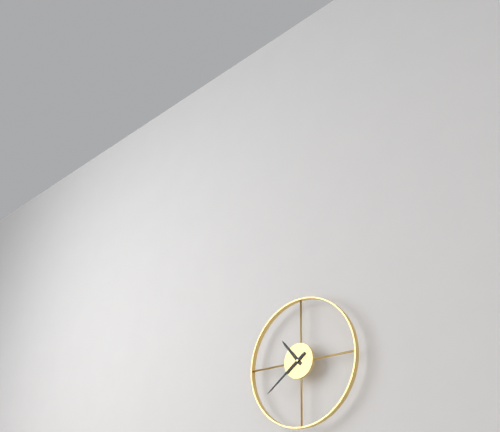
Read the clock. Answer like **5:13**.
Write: **10:39**
